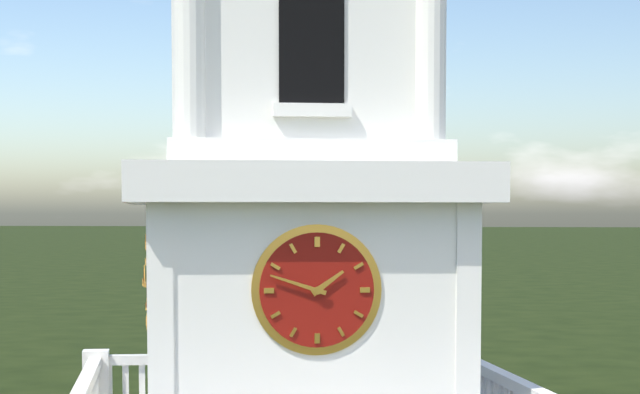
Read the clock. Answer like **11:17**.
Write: **1:48**
